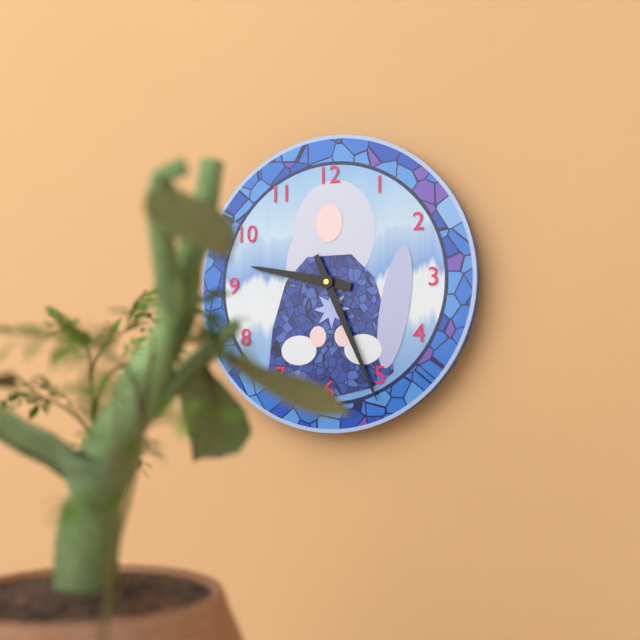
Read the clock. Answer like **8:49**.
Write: **9:26**
